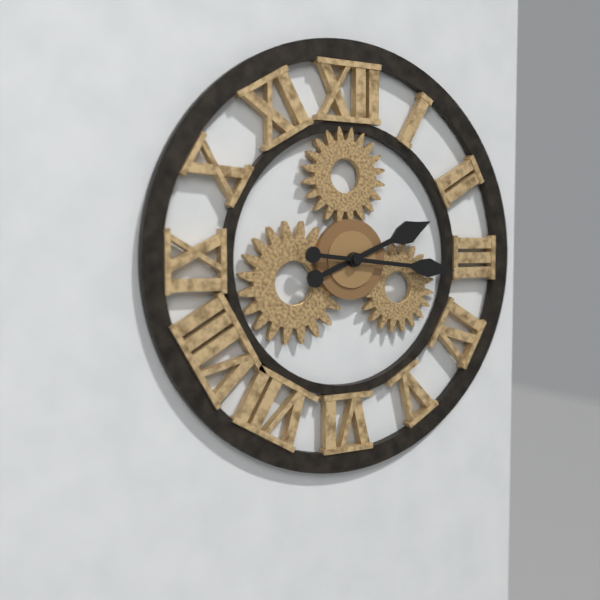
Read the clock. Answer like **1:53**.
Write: **2:16**
